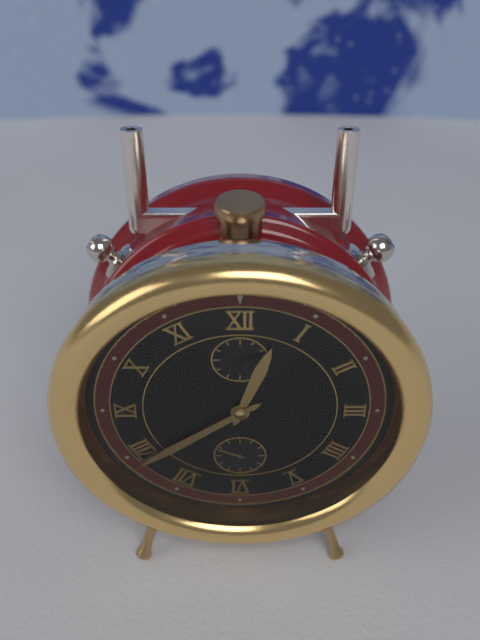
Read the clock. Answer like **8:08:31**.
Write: **12:39:49**
